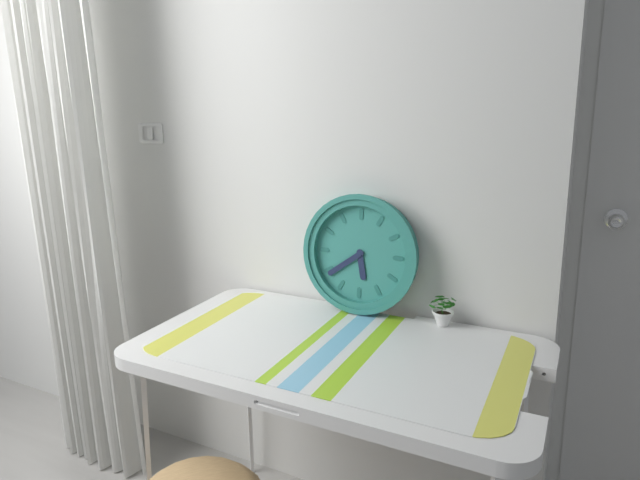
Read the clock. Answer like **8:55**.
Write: **5:39**
